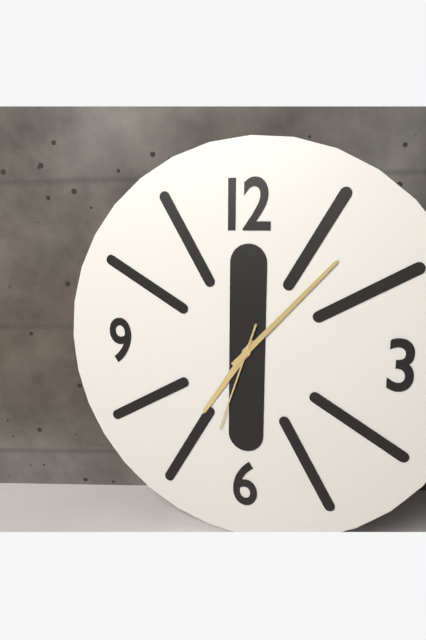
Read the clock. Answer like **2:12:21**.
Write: **7:07:33**
